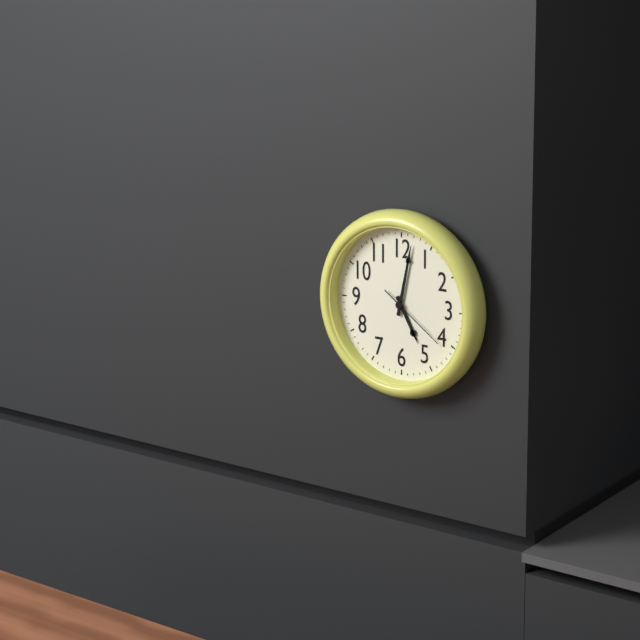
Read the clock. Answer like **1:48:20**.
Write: **5:02:21**
